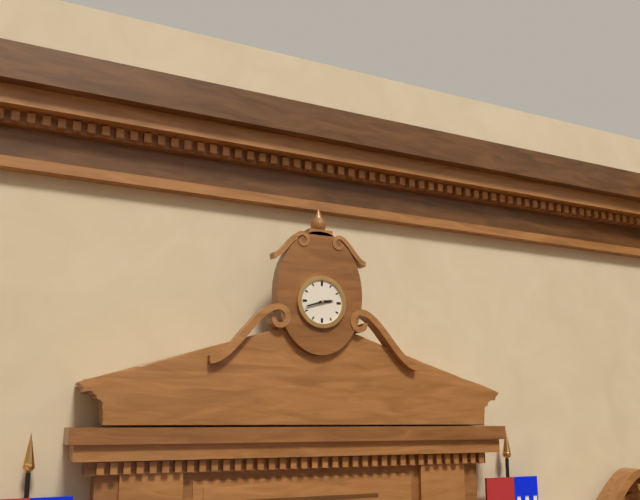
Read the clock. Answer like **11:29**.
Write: **2:42**
